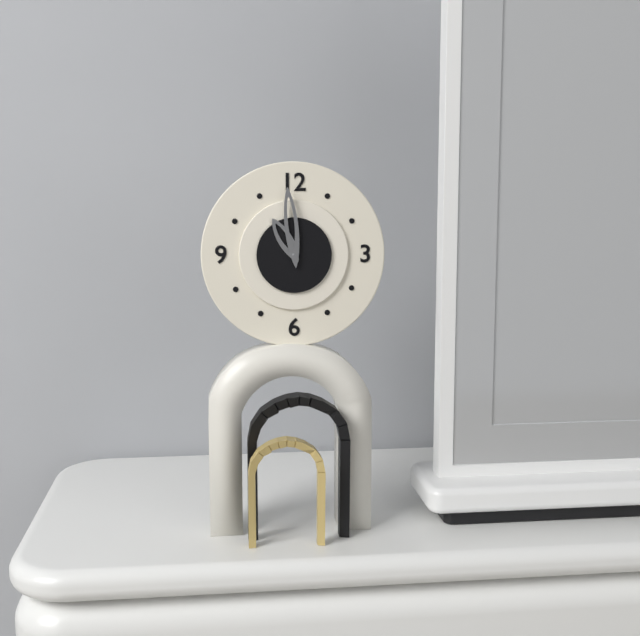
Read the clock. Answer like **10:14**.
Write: **10:59**
